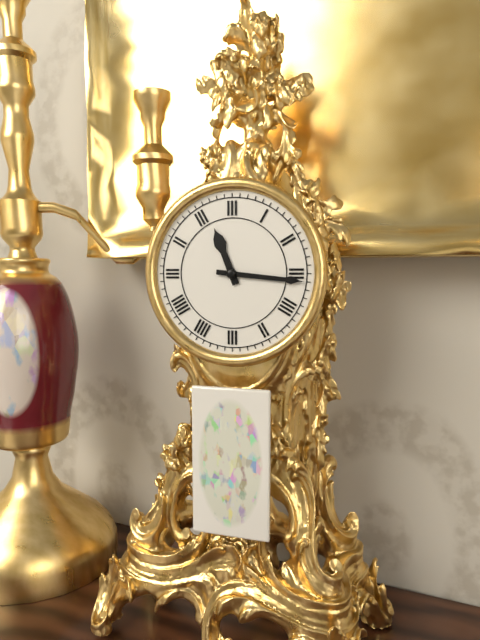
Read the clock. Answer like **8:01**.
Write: **11:16**
